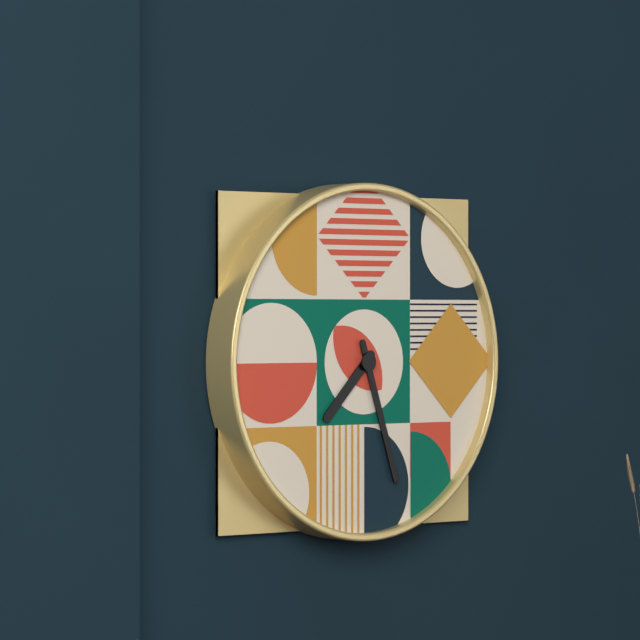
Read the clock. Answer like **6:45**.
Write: **7:27**
